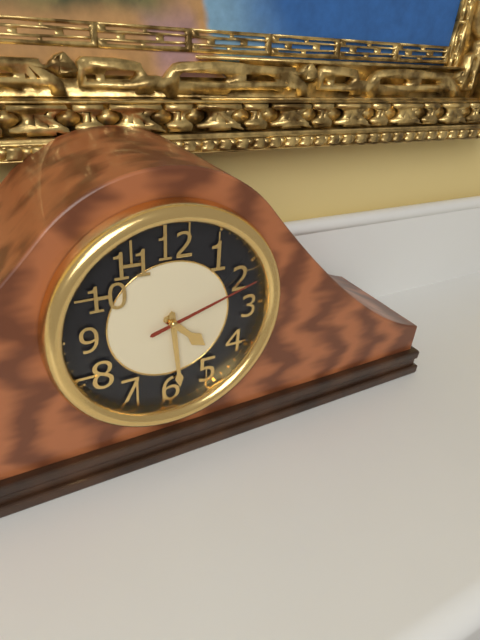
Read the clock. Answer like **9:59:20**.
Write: **4:29:12**
